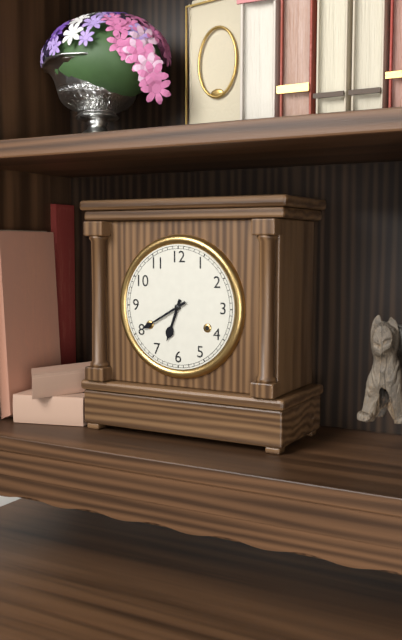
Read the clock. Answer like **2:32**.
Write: **6:40**
